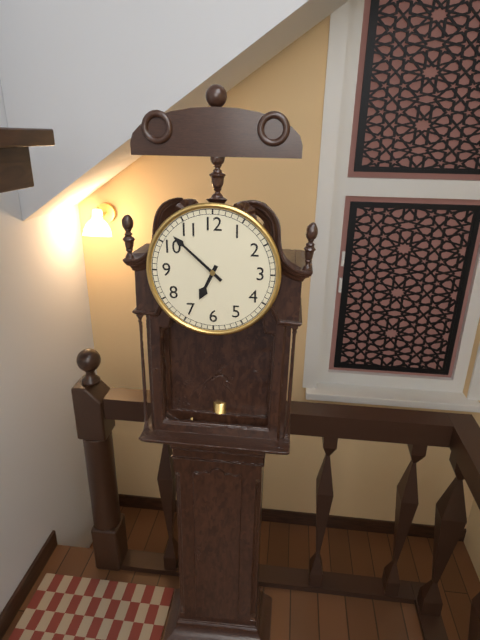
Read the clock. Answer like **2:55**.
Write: **6:52**
